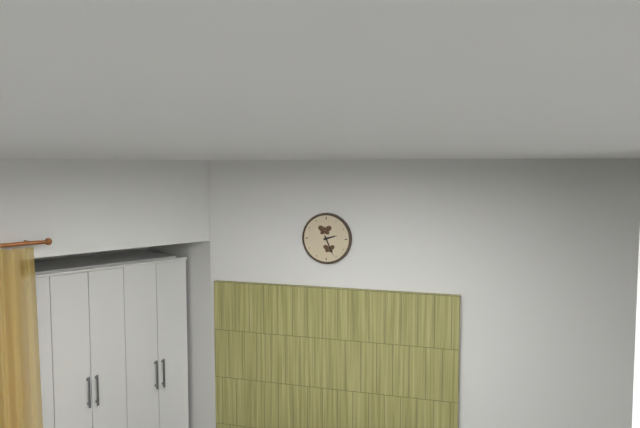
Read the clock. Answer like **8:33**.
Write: **2:26**
